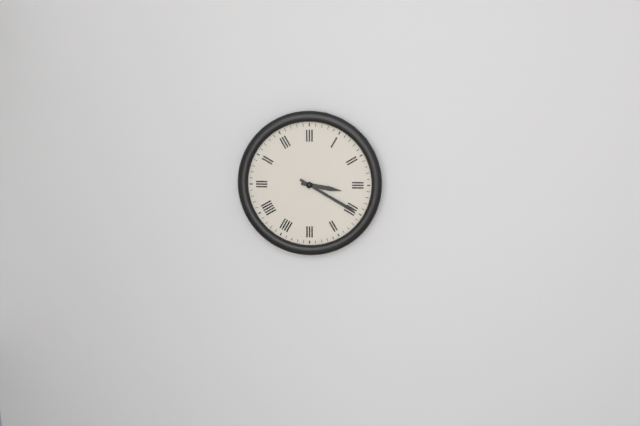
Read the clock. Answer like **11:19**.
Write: **3:20**
